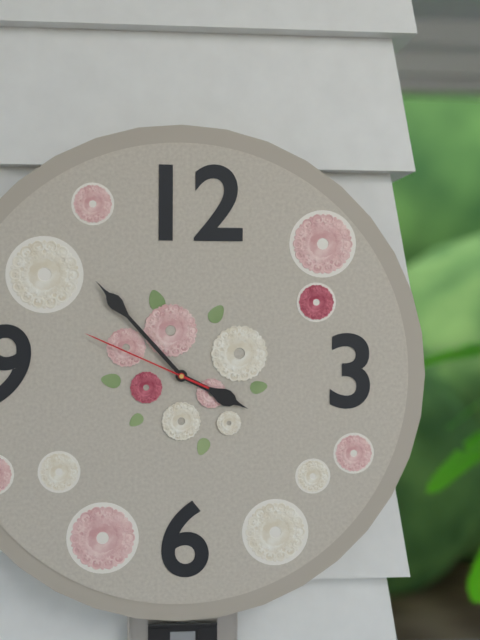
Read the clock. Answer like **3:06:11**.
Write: **3:53:49**
